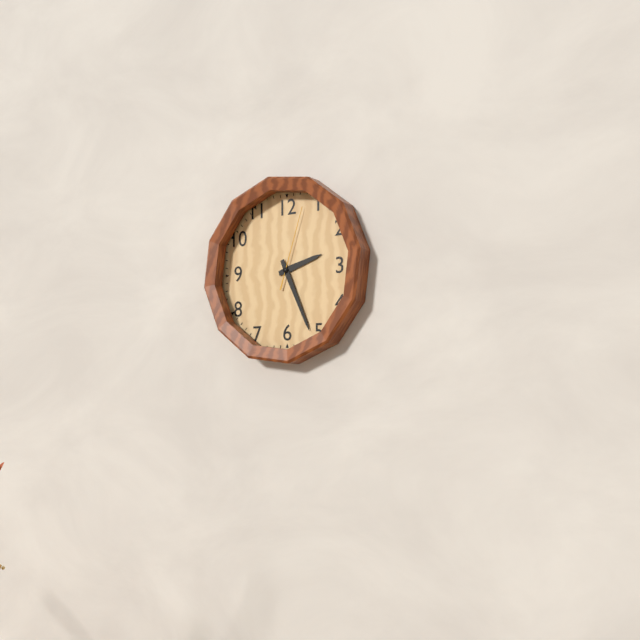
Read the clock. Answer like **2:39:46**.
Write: **2:26:03**
